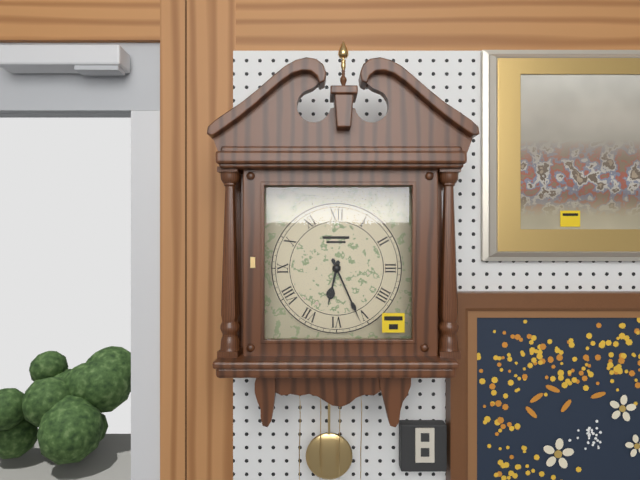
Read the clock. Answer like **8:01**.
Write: **6:26**
